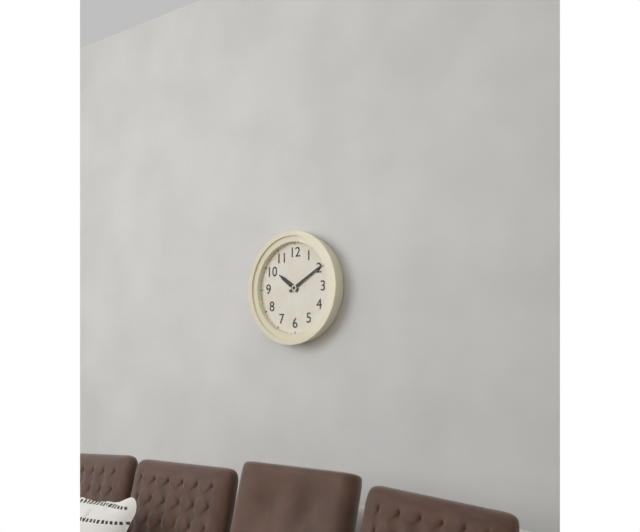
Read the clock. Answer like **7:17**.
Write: **10:10**
